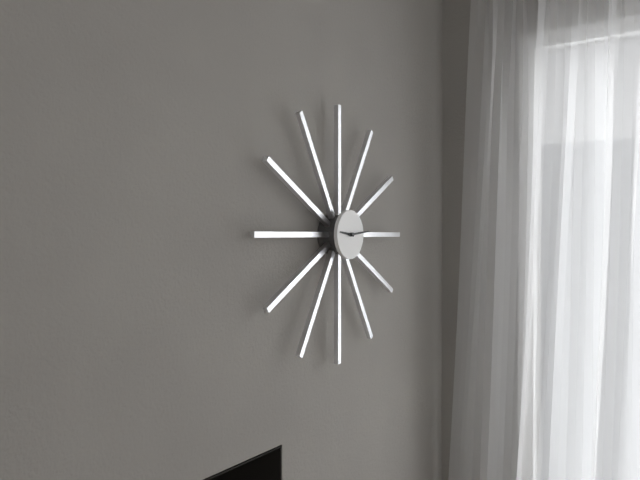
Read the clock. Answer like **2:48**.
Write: **9:14**
